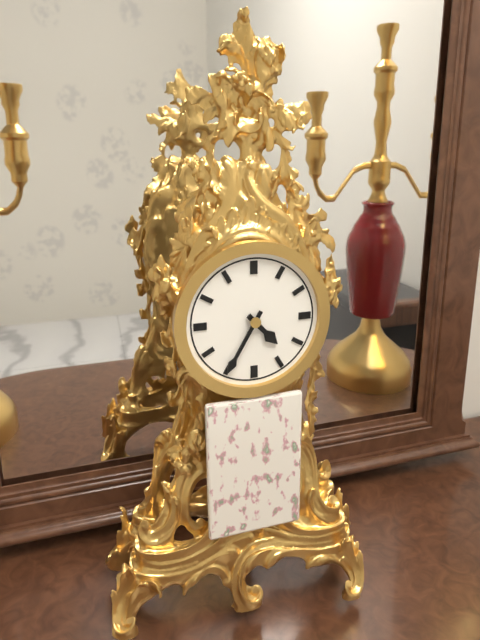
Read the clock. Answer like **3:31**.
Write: **4:35**
